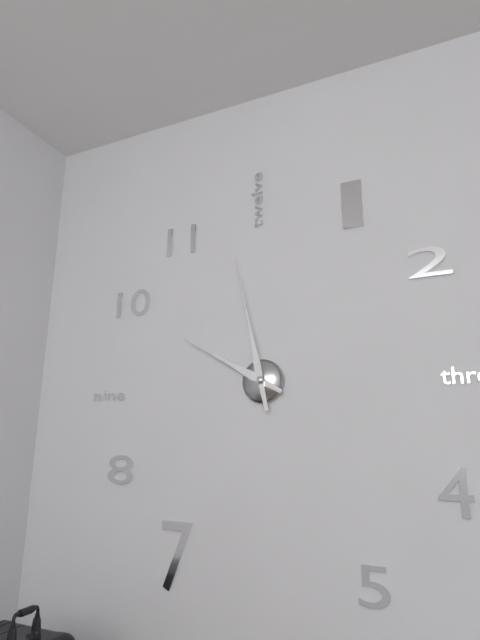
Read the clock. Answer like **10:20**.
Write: **9:58**
